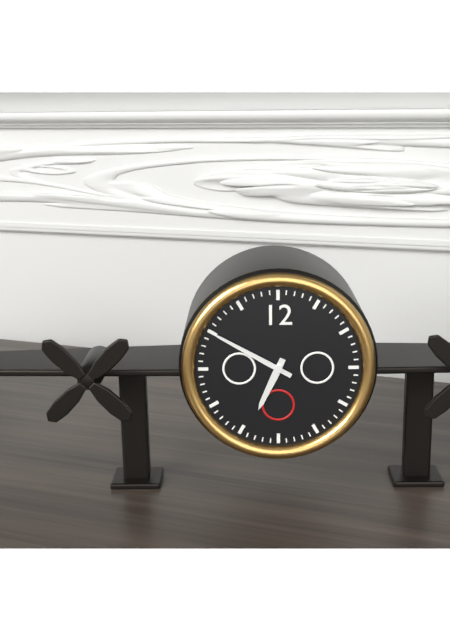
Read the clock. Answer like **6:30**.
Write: **6:50**
